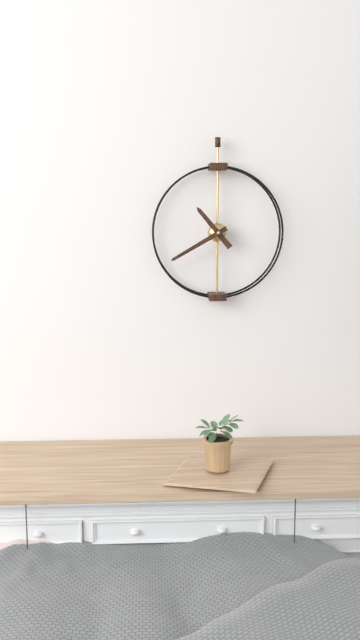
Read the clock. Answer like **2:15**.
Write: **10:40**
